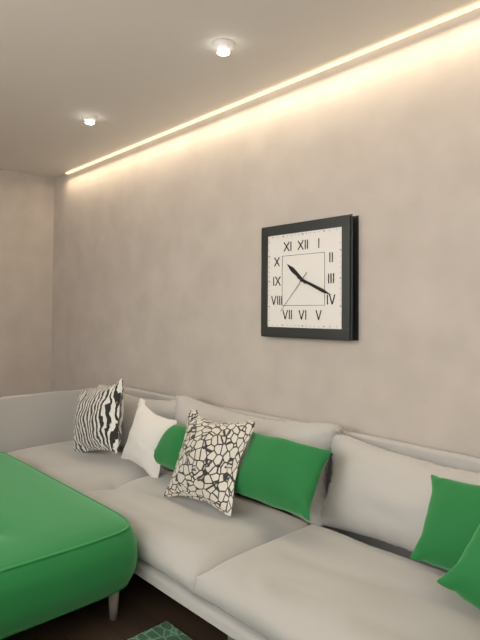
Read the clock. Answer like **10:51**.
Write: **10:19**
